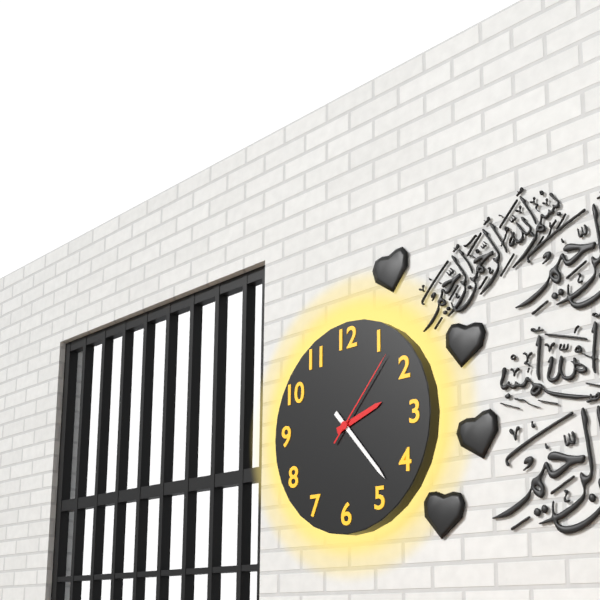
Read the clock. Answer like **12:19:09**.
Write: **2:23:07**
